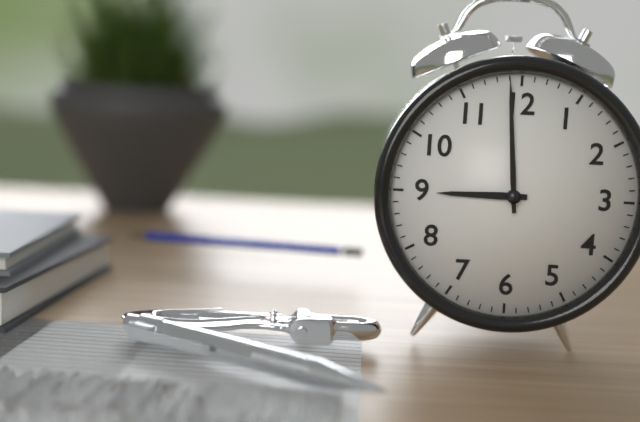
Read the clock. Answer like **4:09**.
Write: **8:59**
